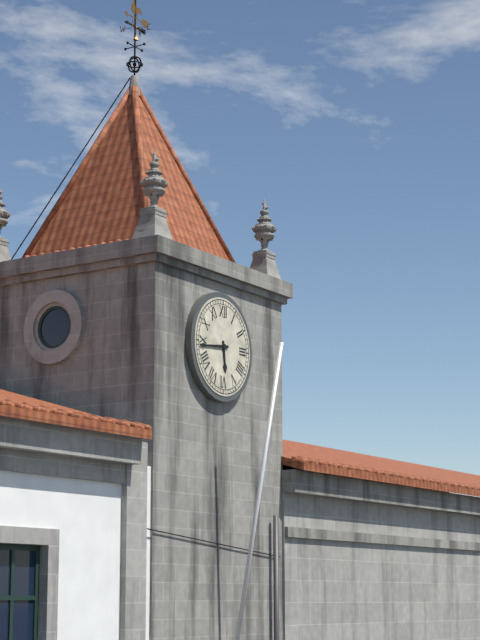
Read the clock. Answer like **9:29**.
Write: **5:44**
